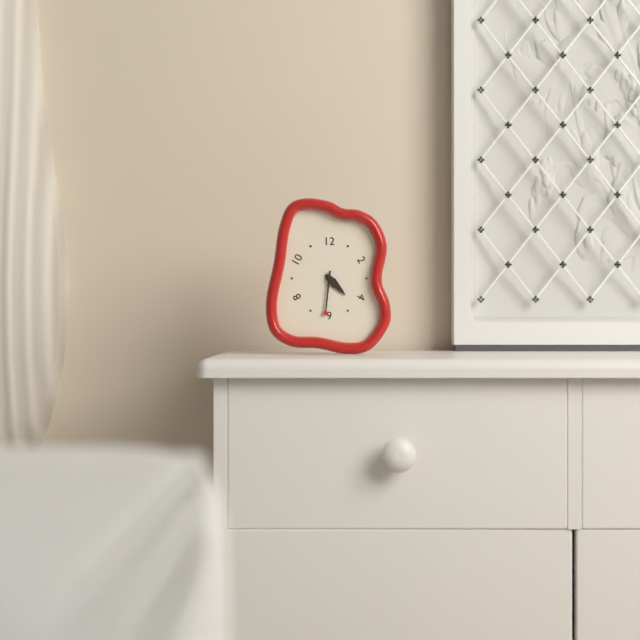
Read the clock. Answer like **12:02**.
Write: **4:31**
